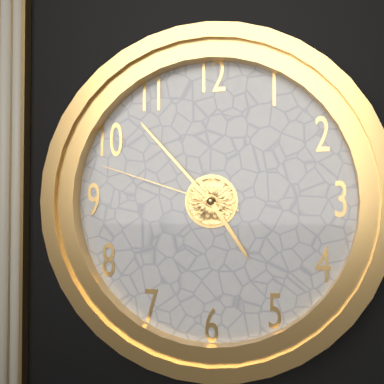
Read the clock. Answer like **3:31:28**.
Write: **4:53:48**
